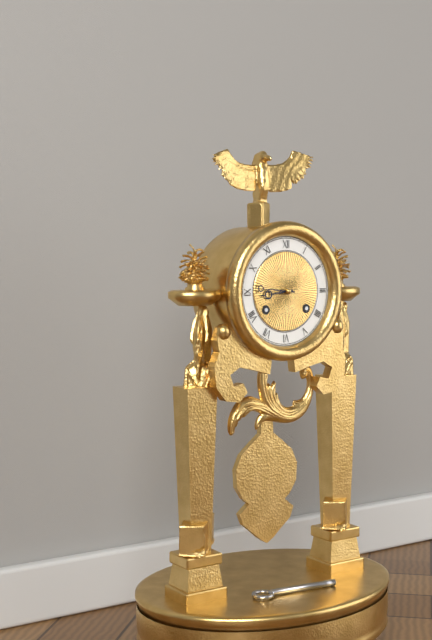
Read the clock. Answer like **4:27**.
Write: **8:46**
